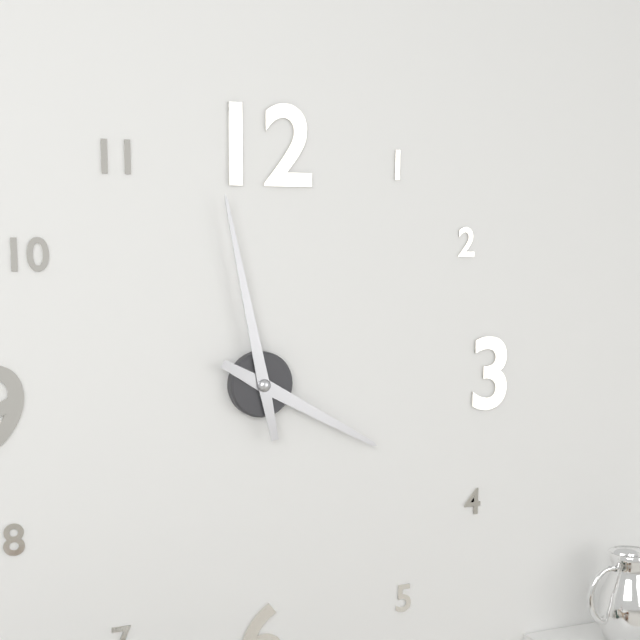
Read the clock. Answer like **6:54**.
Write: **3:58**
